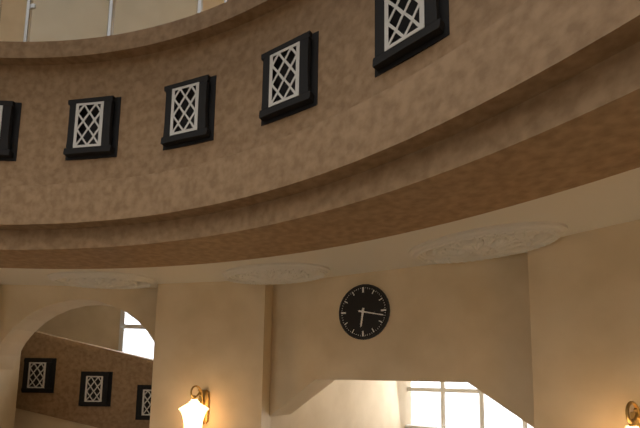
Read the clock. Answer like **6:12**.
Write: **6:17**
